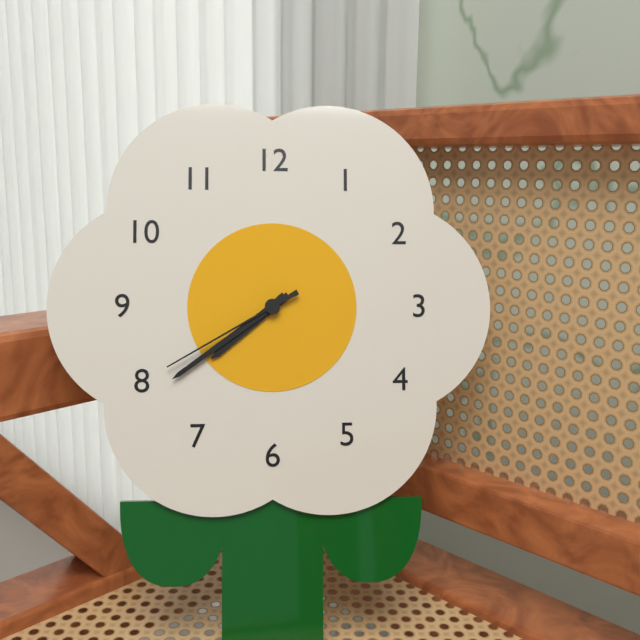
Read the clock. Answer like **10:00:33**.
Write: **7:39:40**
